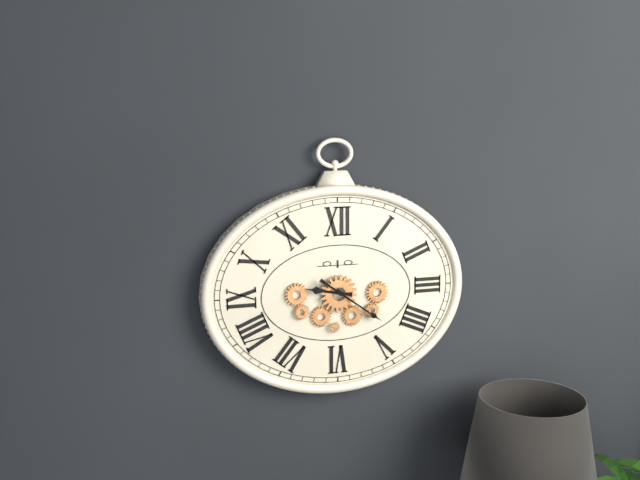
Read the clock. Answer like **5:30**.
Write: **9:21**
